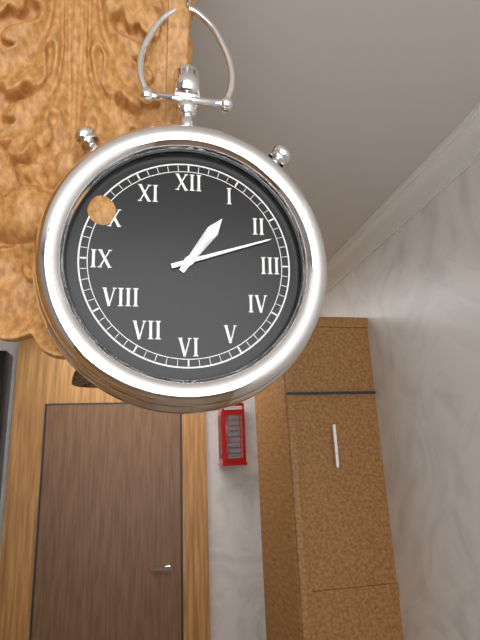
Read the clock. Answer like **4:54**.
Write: **1:12**
